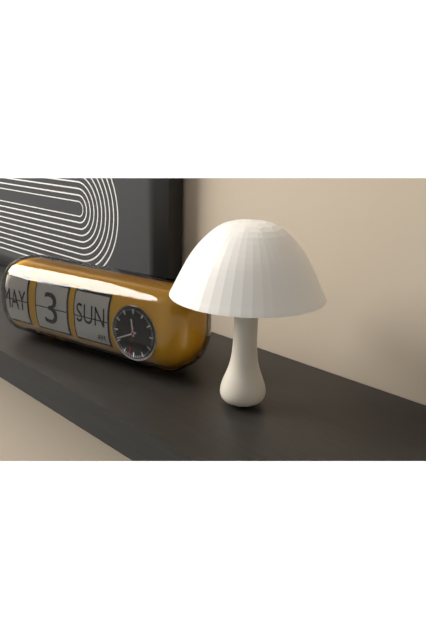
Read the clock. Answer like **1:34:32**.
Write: **11:41:32**
